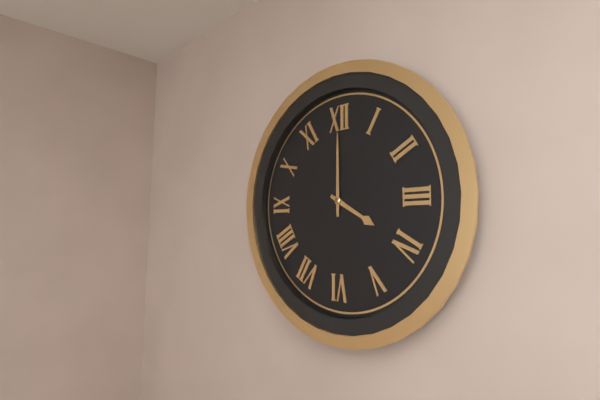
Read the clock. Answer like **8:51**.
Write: **4:00**
